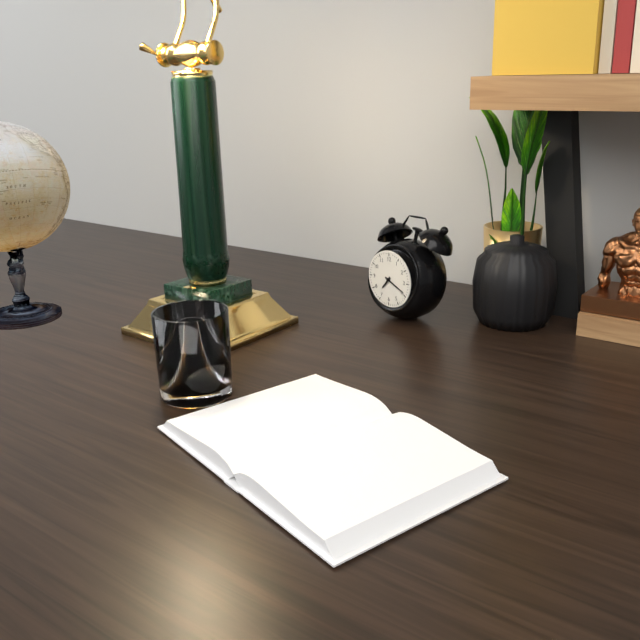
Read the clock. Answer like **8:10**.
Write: **7:19**
